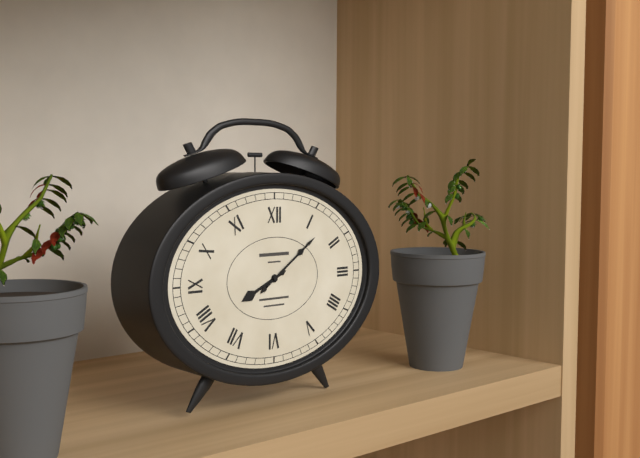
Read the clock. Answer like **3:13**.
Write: **8:09**
